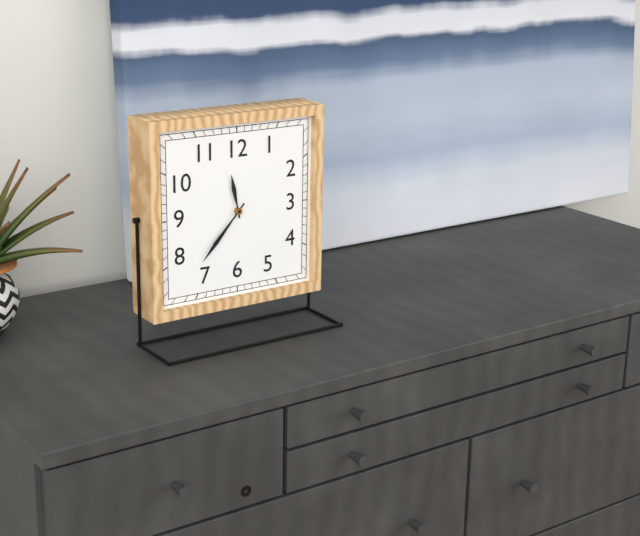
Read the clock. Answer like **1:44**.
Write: **11:37**
